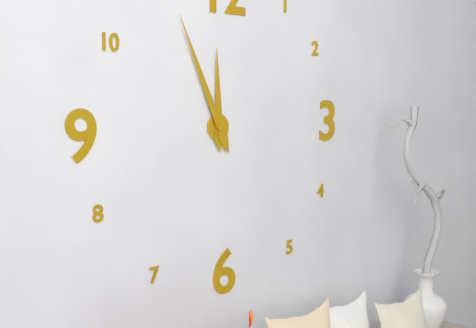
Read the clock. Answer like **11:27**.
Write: **11:56**
